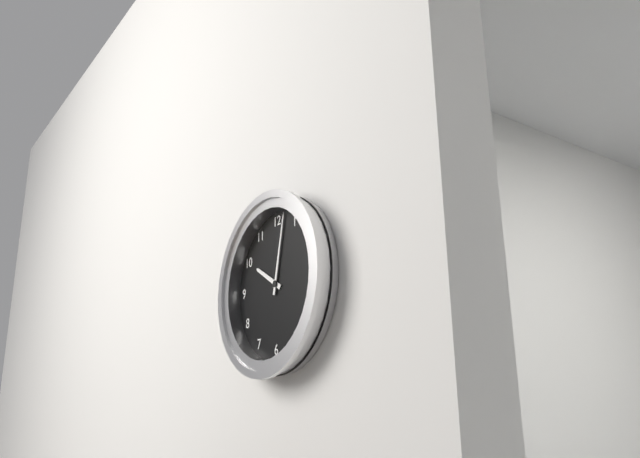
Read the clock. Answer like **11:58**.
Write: **10:02**
